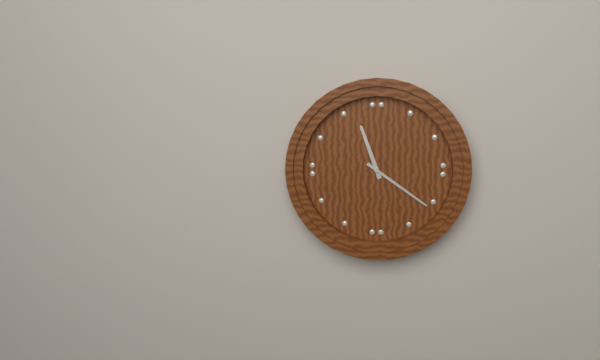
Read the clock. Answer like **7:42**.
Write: **11:21**
